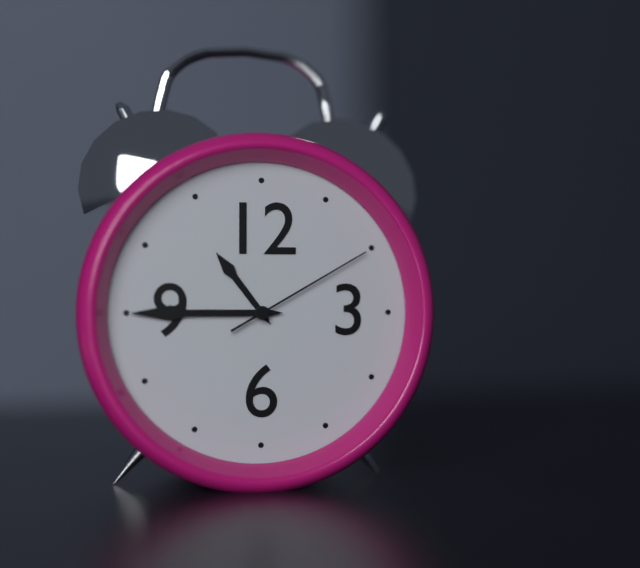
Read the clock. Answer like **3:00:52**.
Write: **10:45:10**
